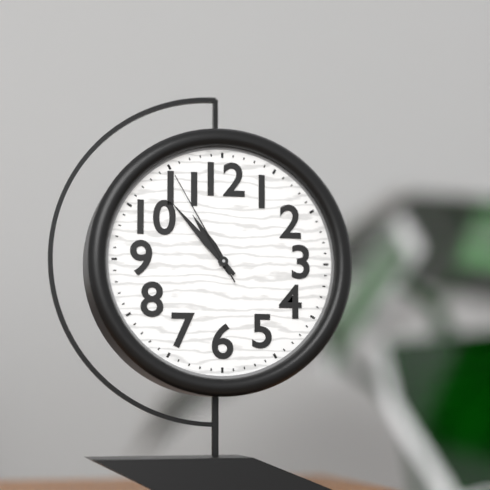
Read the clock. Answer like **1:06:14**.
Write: **10:53:55**
